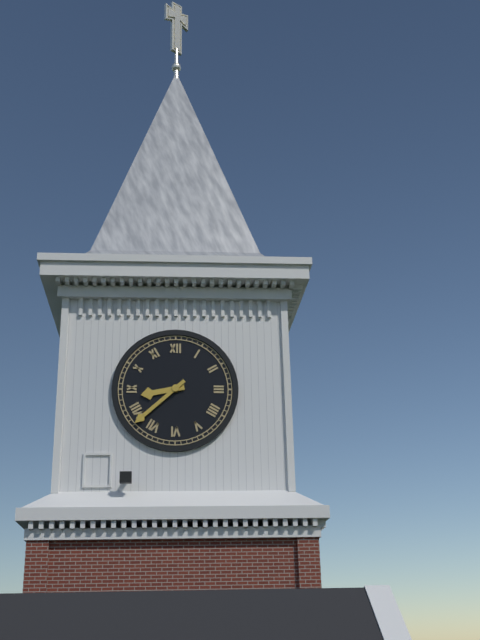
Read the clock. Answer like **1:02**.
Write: **8:38**
